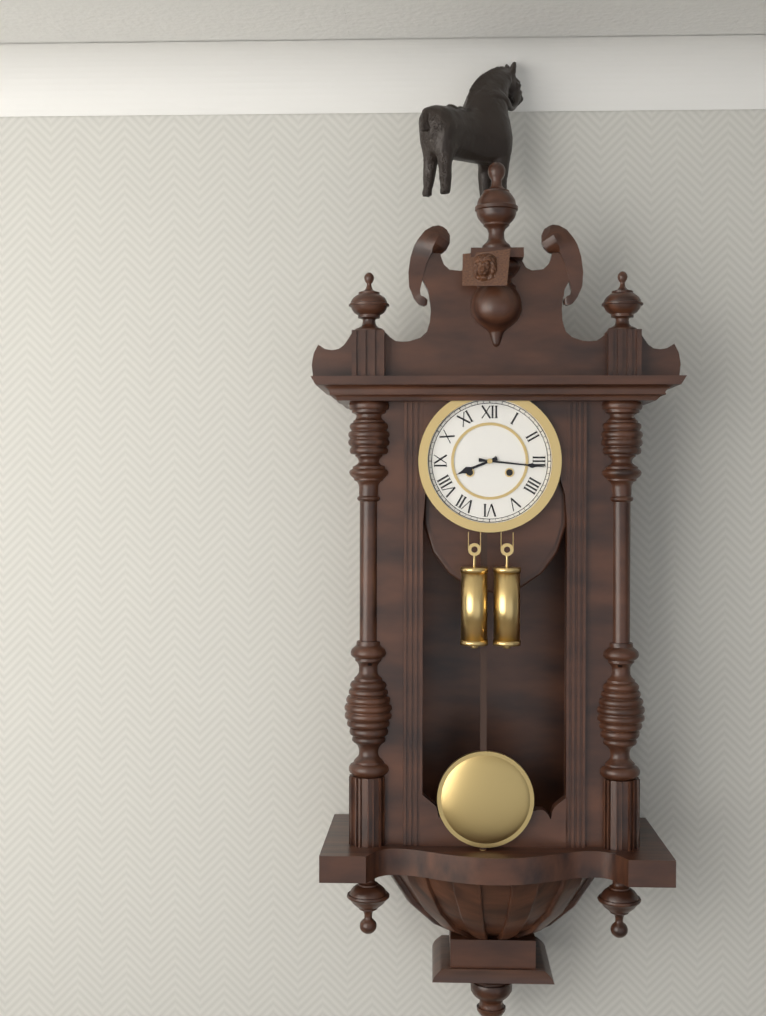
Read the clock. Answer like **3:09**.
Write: **8:16**
